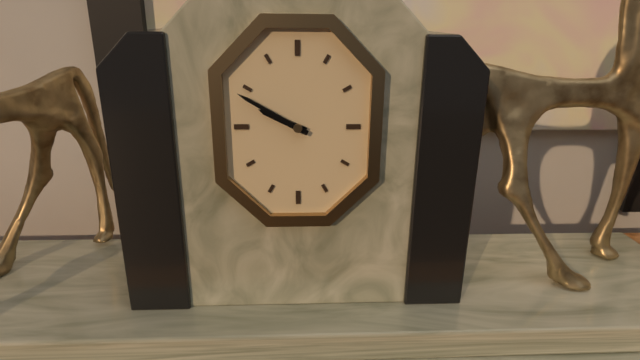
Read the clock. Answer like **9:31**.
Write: **9:50**
